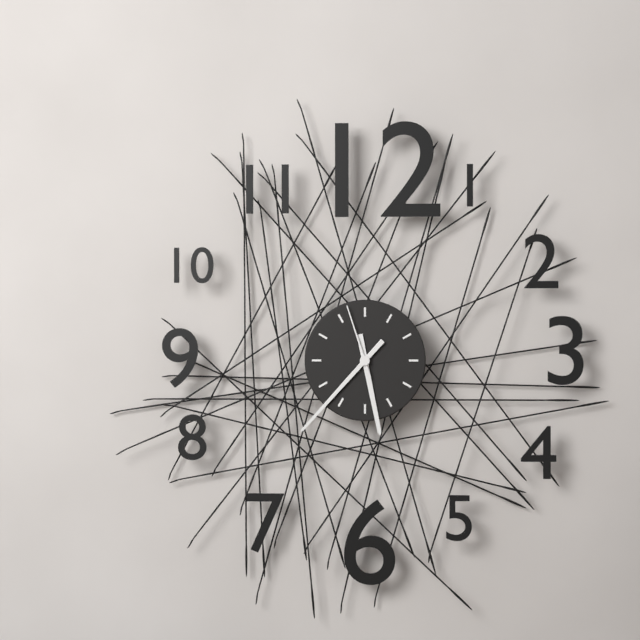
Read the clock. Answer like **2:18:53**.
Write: **5:37:57**
